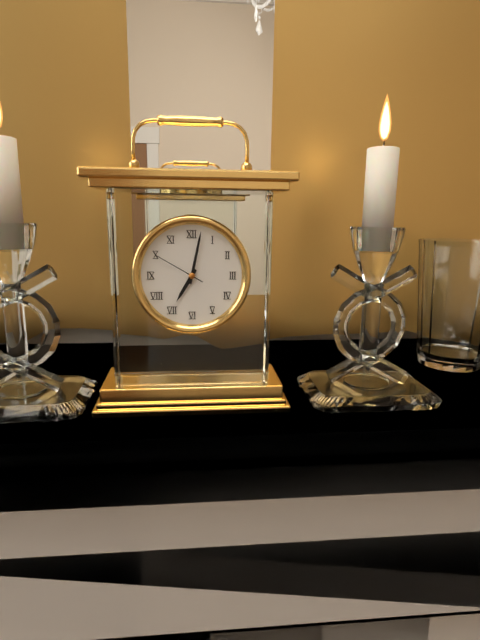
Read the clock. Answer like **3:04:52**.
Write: **7:02:50**
